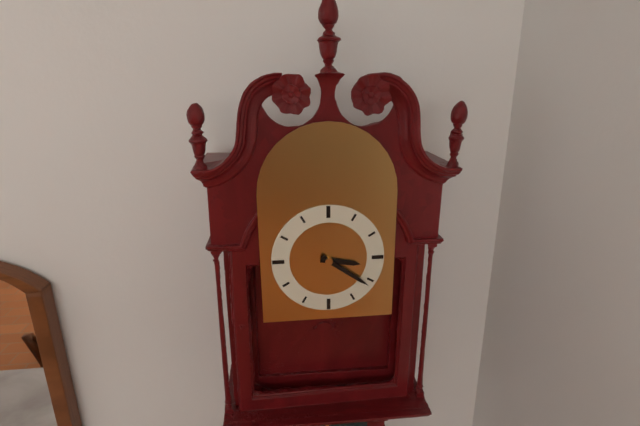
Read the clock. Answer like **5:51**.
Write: **3:21**
